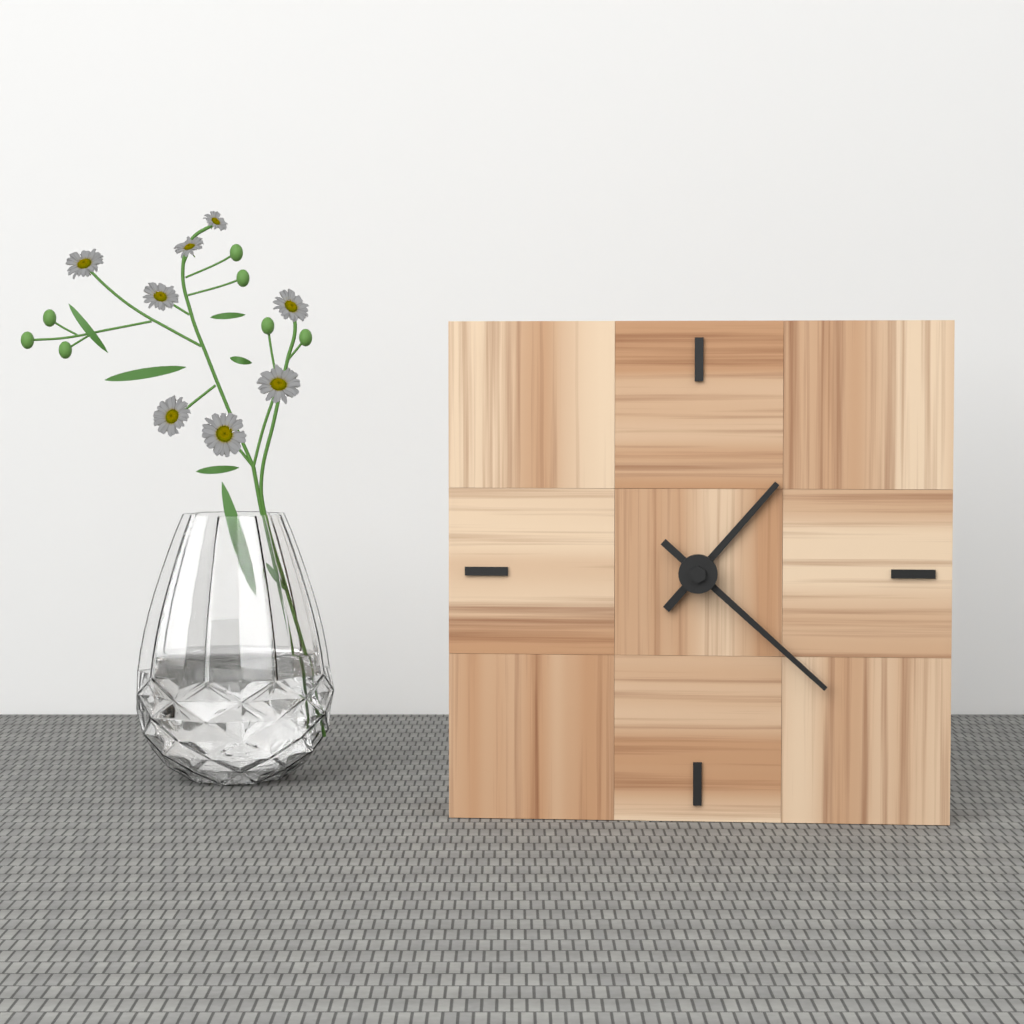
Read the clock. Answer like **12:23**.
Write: **1:22**
